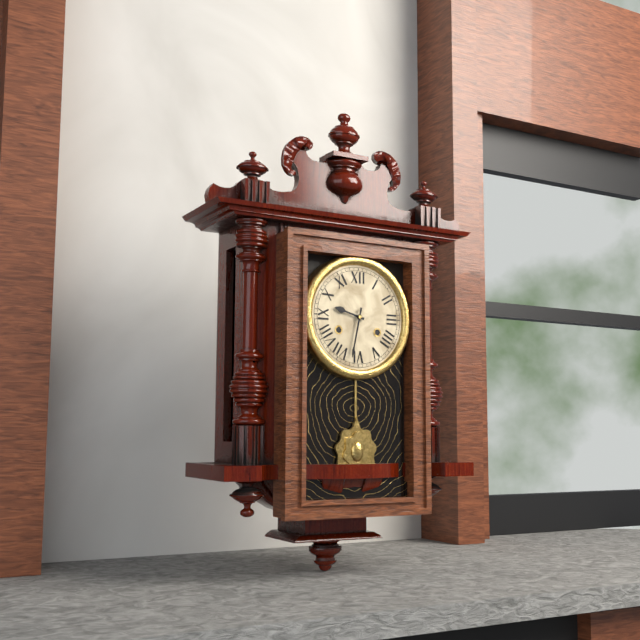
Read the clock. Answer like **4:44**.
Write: **9:32**
